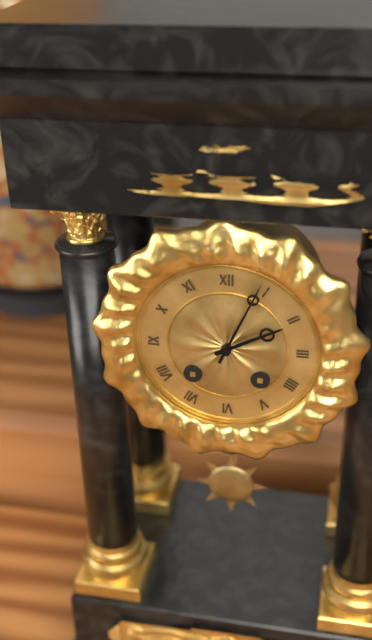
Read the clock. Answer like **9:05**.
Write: **2:04**
